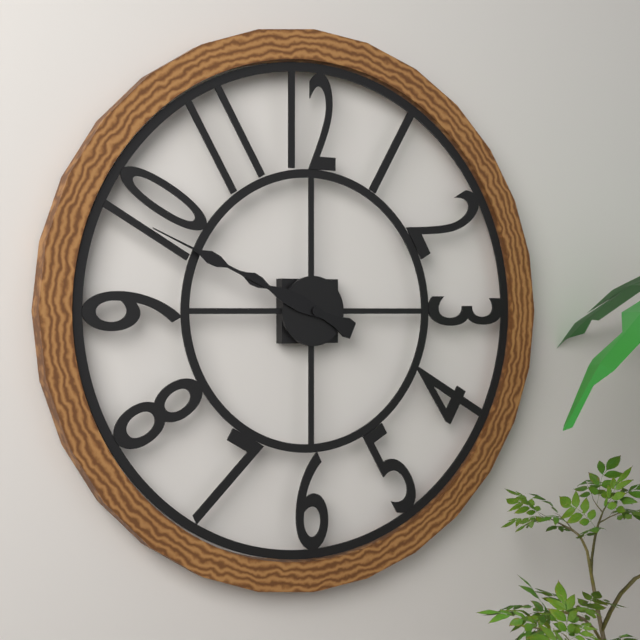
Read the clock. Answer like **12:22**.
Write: **9:49**
